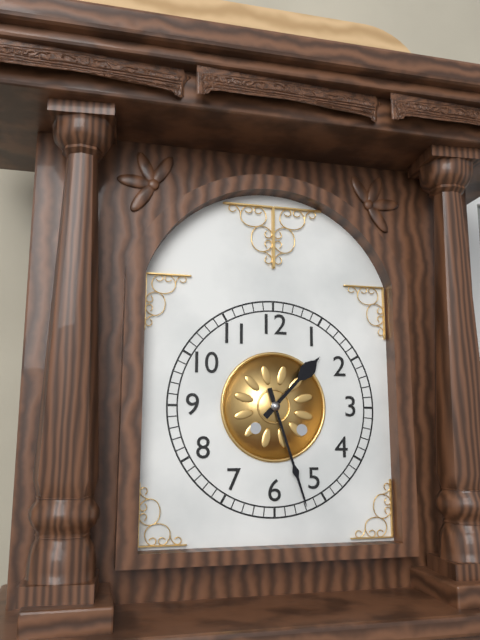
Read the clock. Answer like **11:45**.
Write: **1:27**
